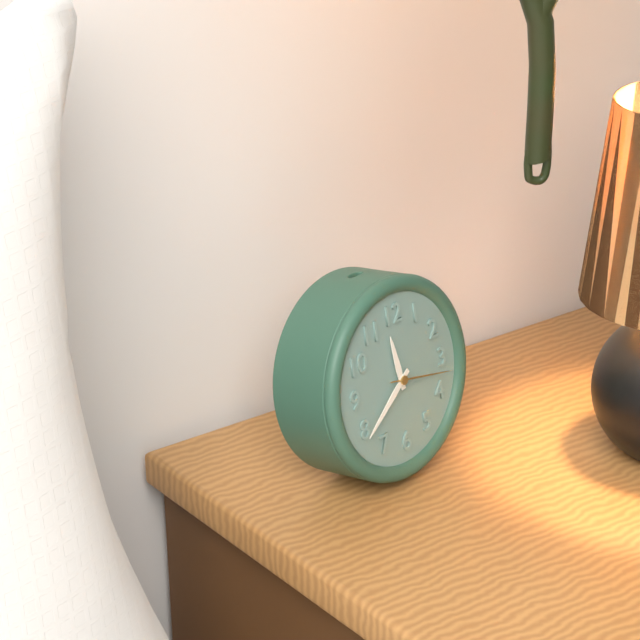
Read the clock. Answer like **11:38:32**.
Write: **11:39:17**
